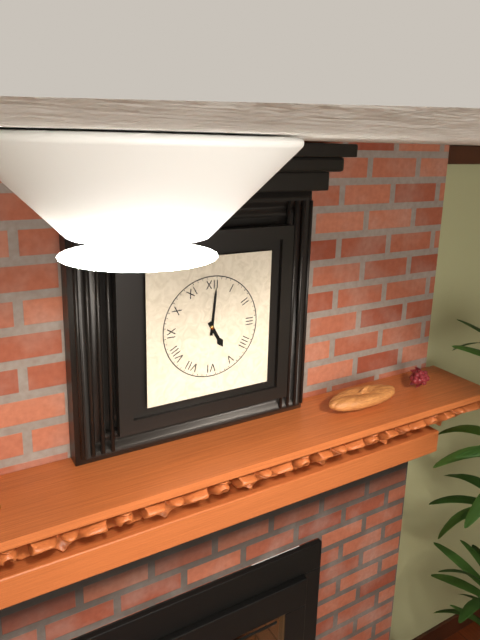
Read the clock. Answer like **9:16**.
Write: **5:01**
